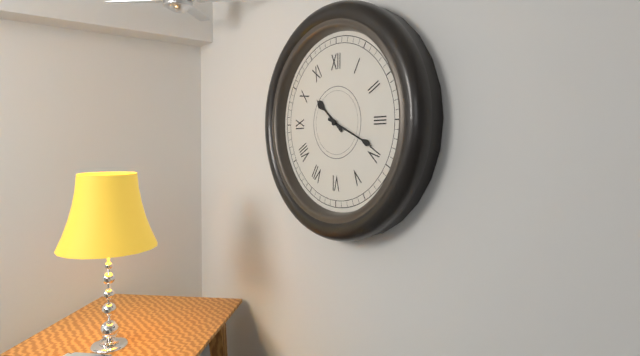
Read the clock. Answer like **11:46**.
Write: **10:19**
